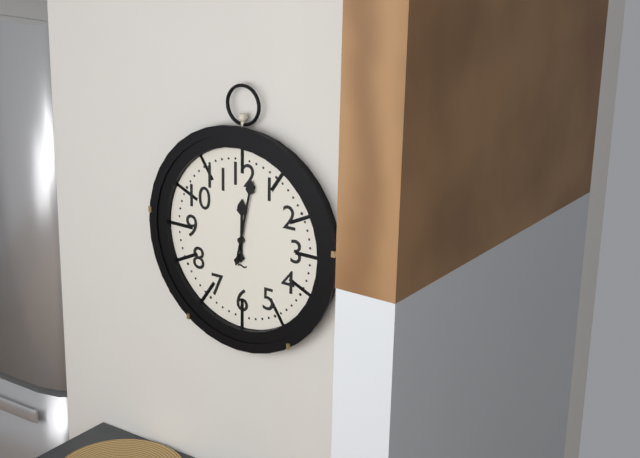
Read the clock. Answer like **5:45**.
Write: **12:02**
